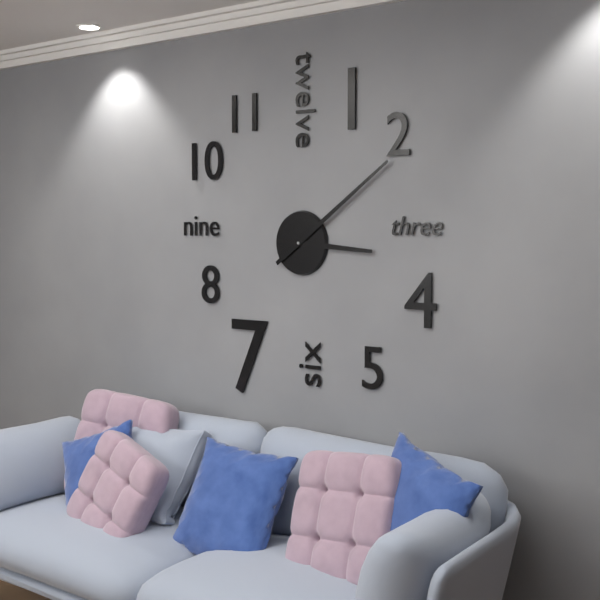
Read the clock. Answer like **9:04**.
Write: **3:09**
